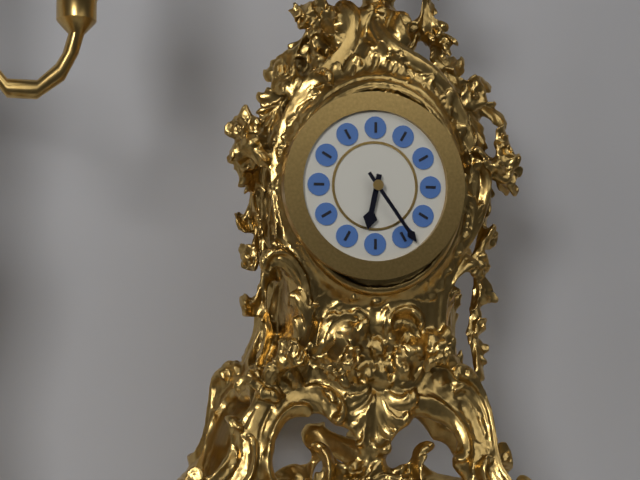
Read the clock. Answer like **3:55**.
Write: **6:24**
